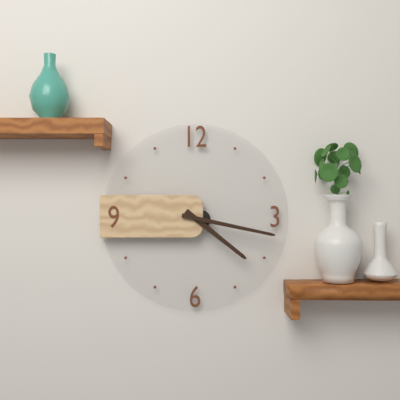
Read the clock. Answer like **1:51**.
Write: **4:17**
